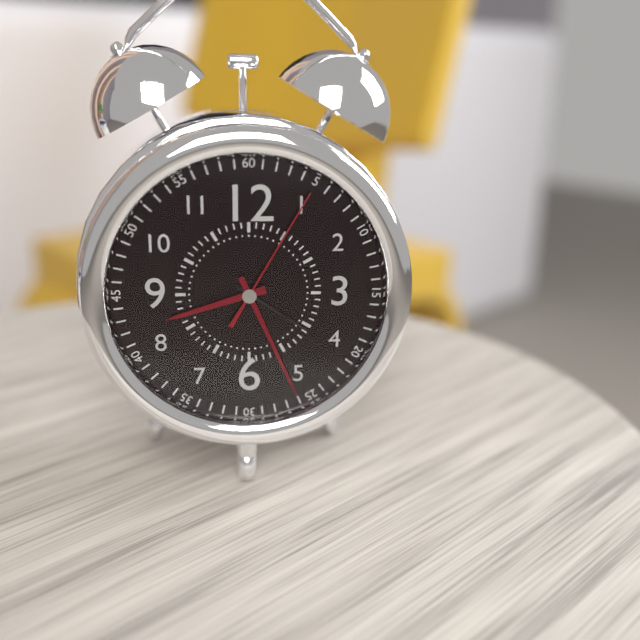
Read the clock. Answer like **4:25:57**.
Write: **8:26:05**
